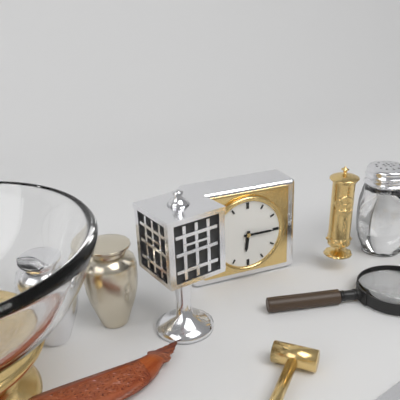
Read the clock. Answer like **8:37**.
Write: **6:15**
